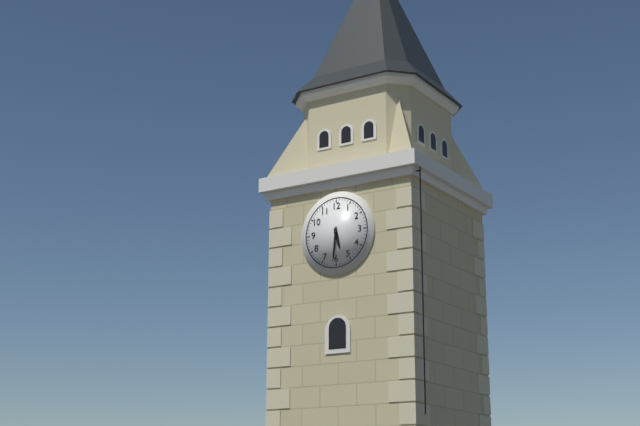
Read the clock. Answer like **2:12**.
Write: **5:31**
